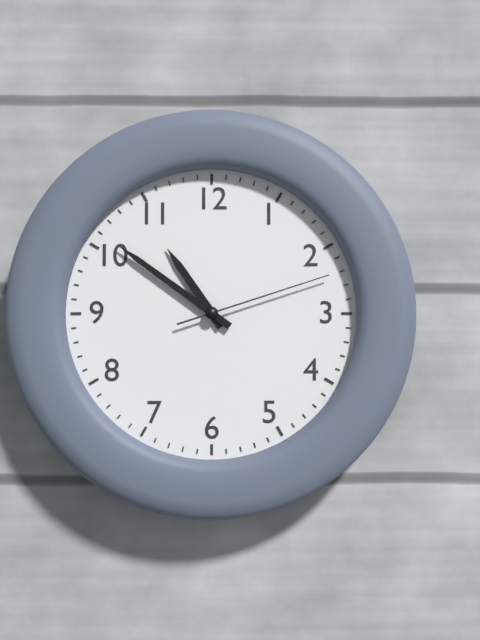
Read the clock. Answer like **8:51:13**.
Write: **10:51:12**
